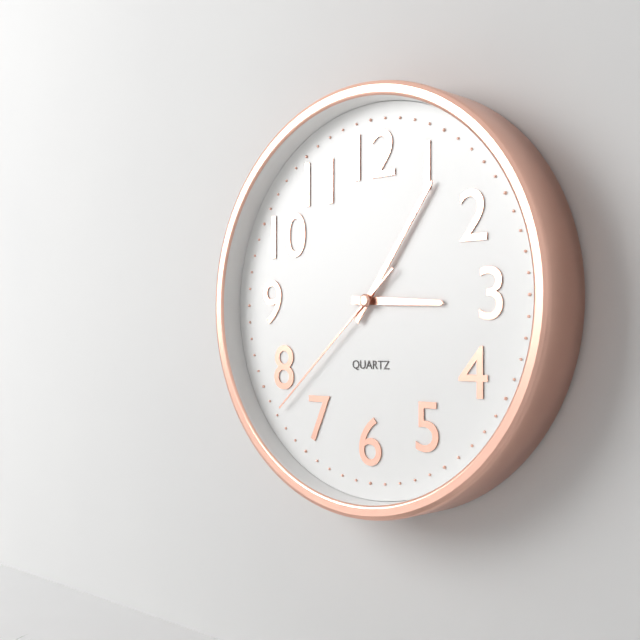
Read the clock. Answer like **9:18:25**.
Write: **3:06:38**
